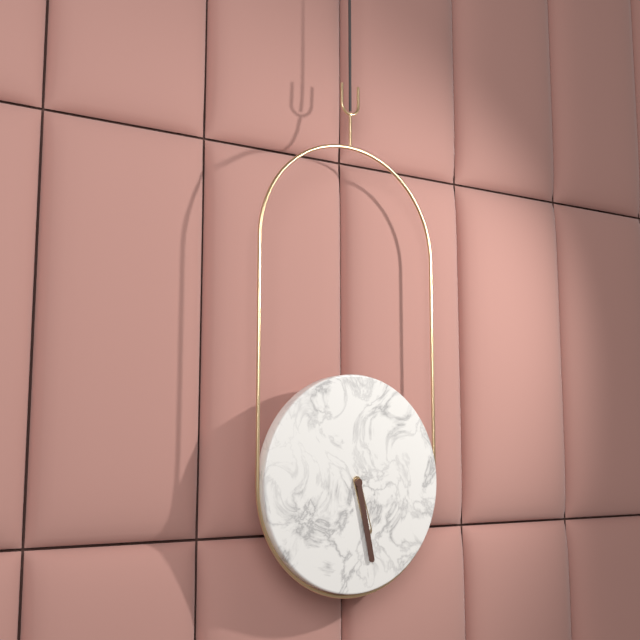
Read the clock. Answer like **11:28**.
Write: **5:28**
